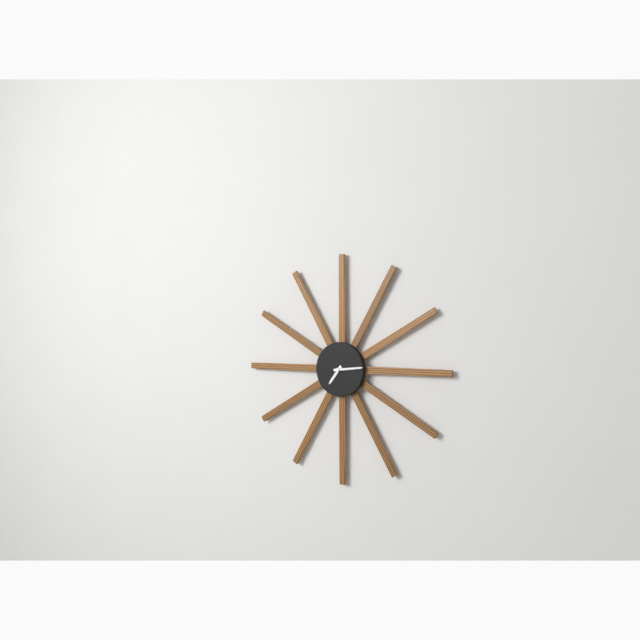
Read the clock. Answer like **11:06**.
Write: **7:14**
